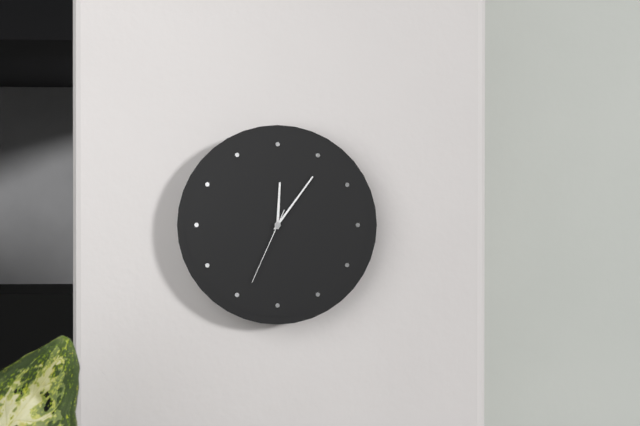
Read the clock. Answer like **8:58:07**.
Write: **12:06:34**
